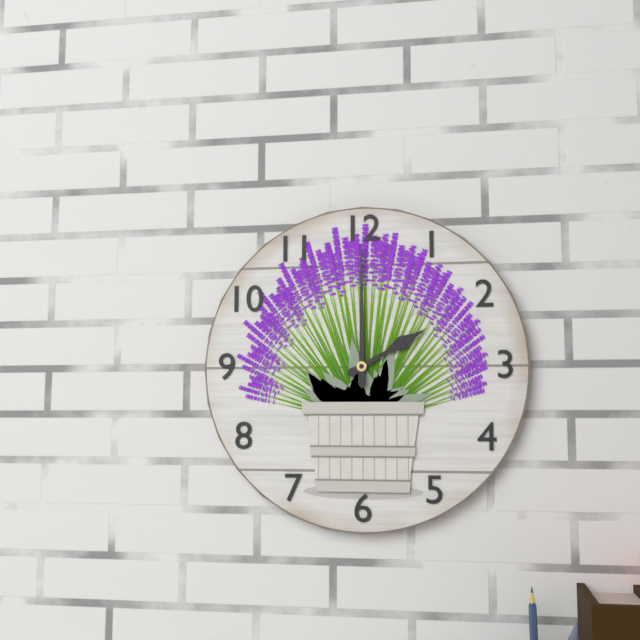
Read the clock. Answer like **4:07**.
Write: **2:00**
